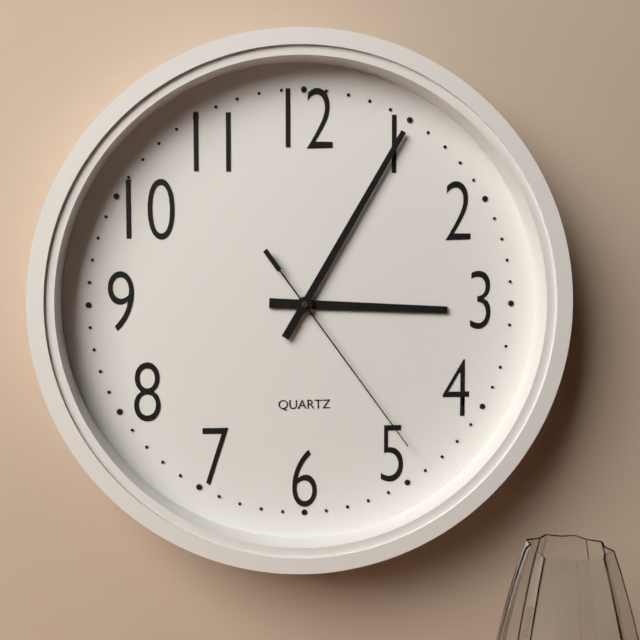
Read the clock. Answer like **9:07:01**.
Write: **3:05:24**
